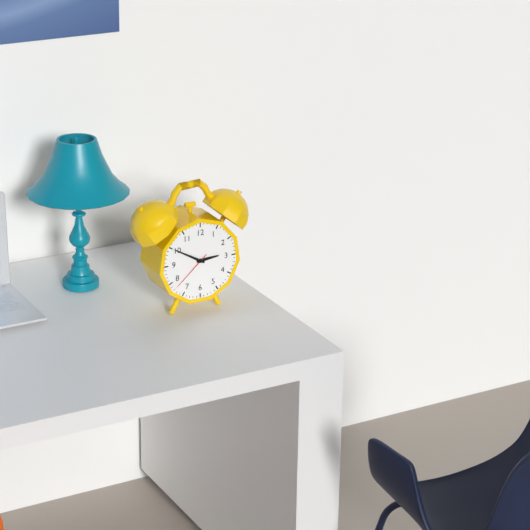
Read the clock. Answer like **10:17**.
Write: **2:50**
